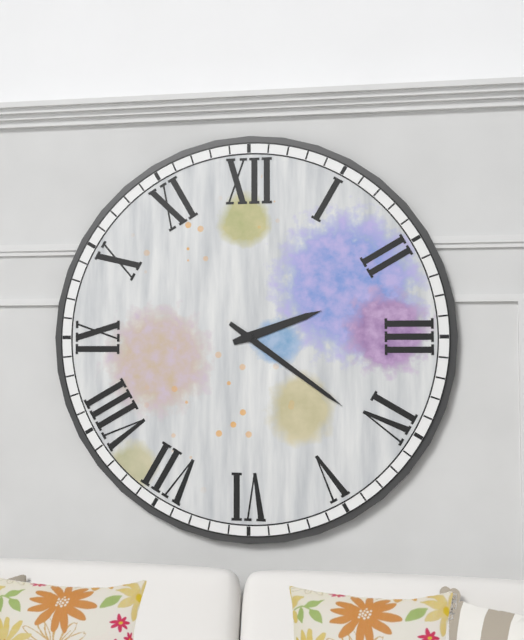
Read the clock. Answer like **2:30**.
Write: **2:21**
